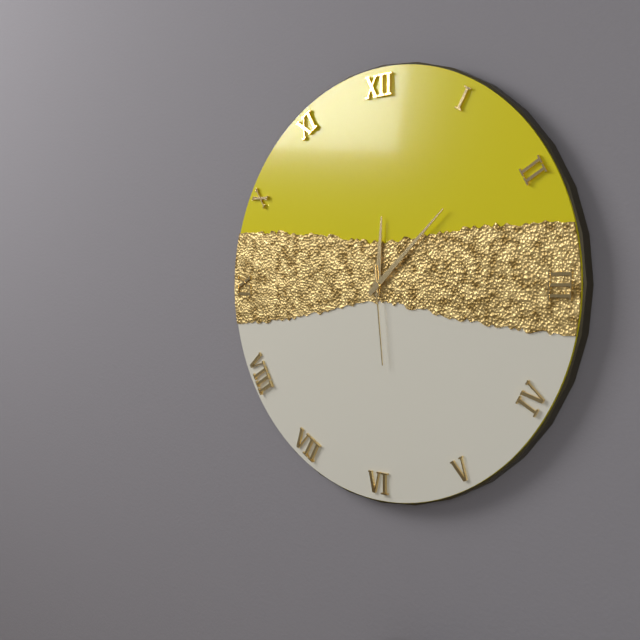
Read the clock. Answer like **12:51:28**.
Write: **12:08:29**
